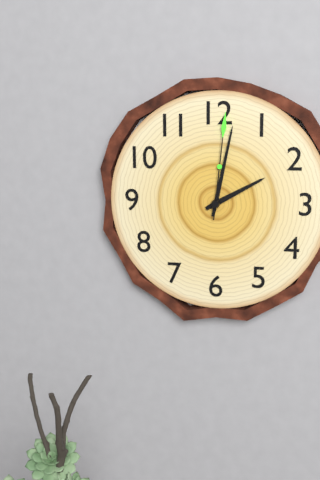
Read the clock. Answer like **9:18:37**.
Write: **2:02:01**
